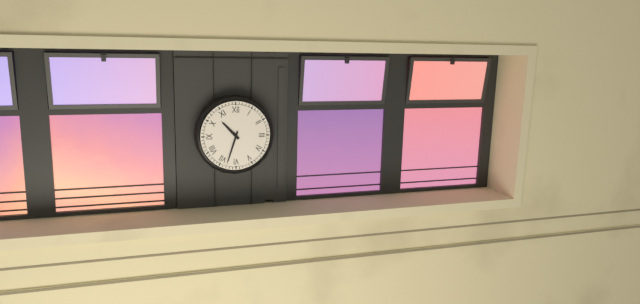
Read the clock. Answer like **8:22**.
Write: **10:33**
